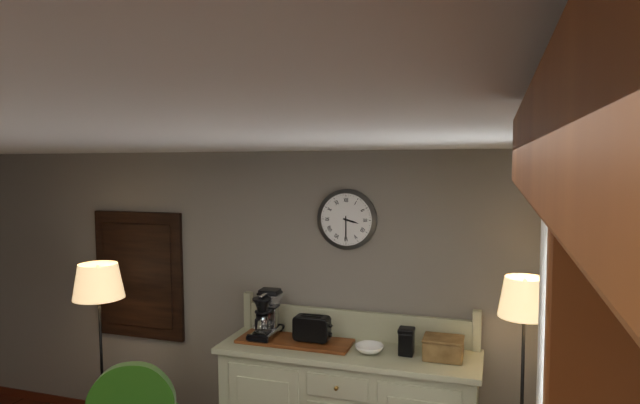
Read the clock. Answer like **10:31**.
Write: **3:30**
